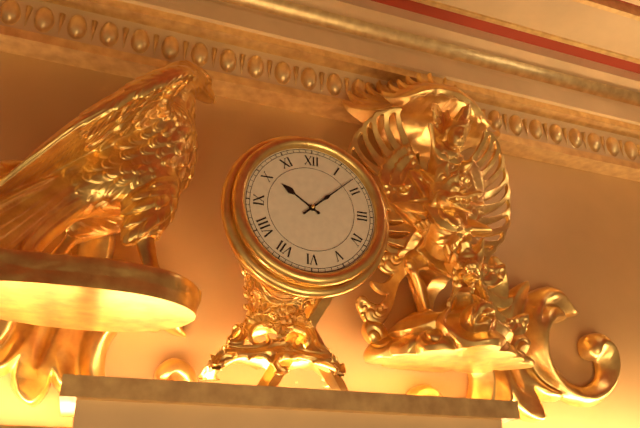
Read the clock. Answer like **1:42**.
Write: **10:08**
